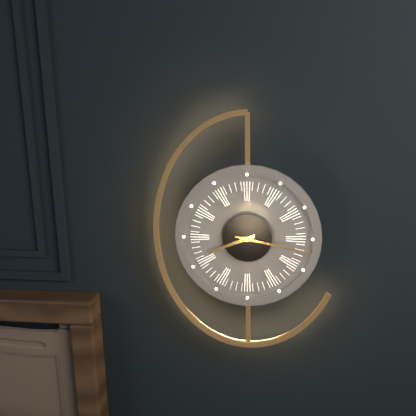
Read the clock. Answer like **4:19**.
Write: **8:17**
